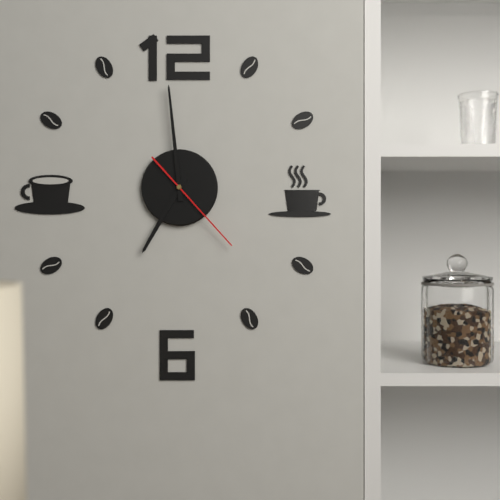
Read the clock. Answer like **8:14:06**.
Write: **6:59:23**
